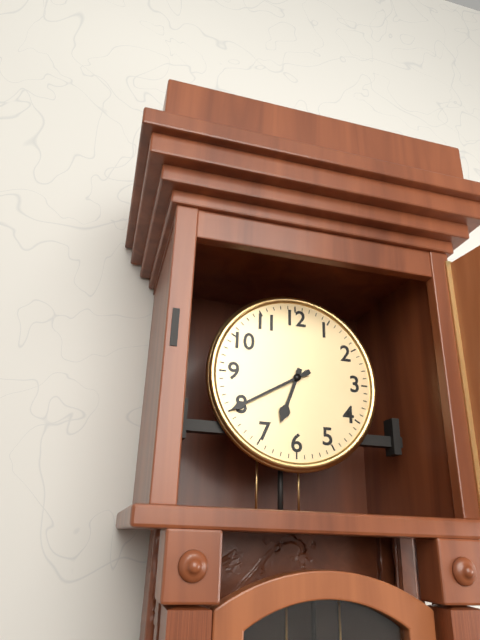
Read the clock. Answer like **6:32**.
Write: **6:40**
